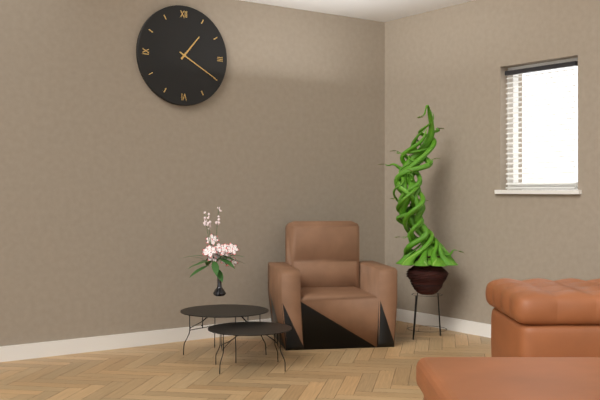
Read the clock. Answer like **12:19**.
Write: **1:20**
